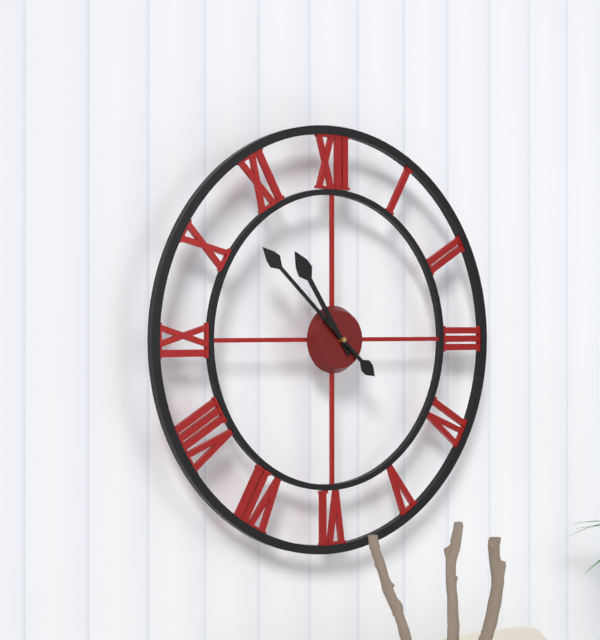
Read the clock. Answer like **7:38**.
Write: **10:52**
